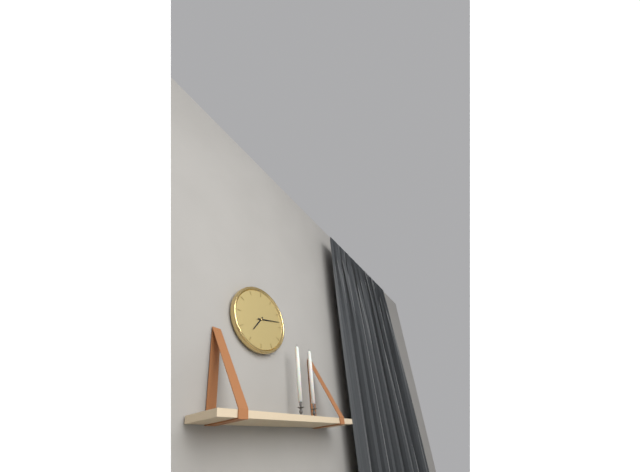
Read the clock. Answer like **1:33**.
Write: **7:13**
